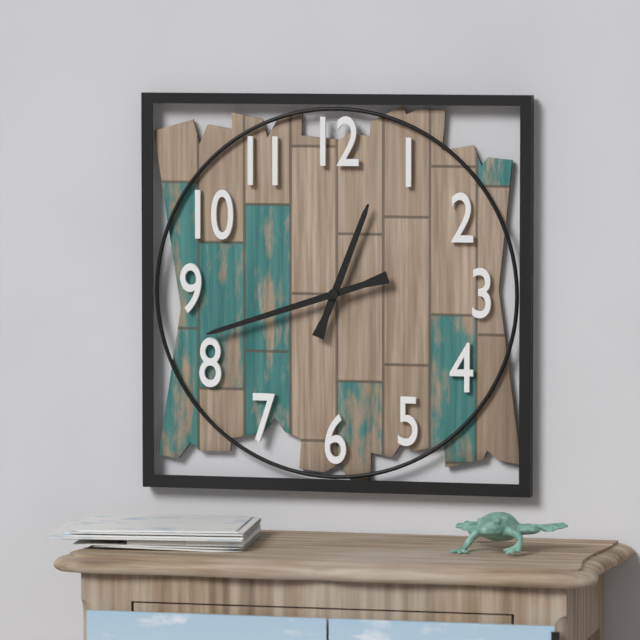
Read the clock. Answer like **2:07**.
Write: **12:42**
